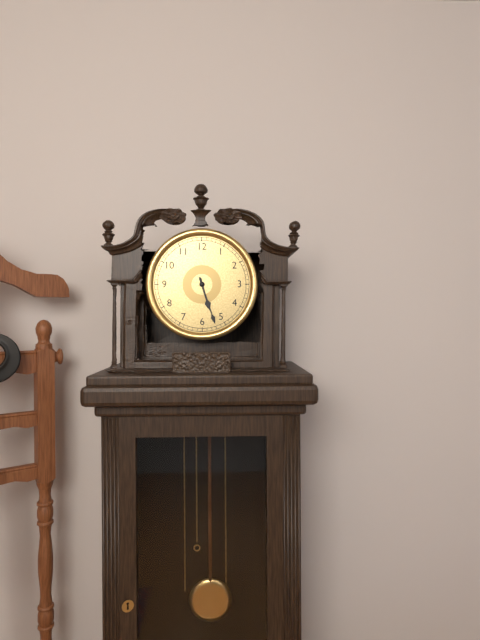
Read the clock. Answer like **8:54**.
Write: **5:27**
